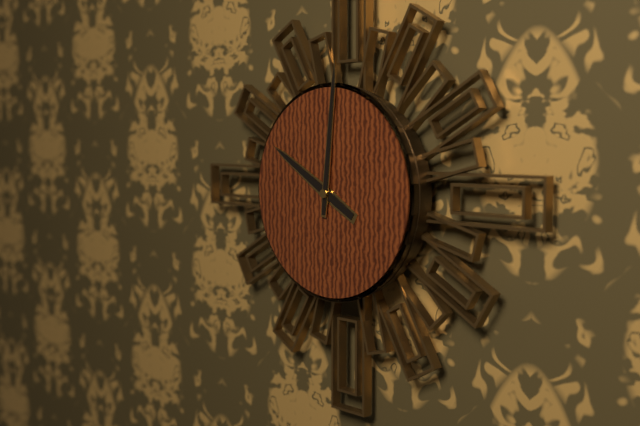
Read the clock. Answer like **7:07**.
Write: **10:01**
